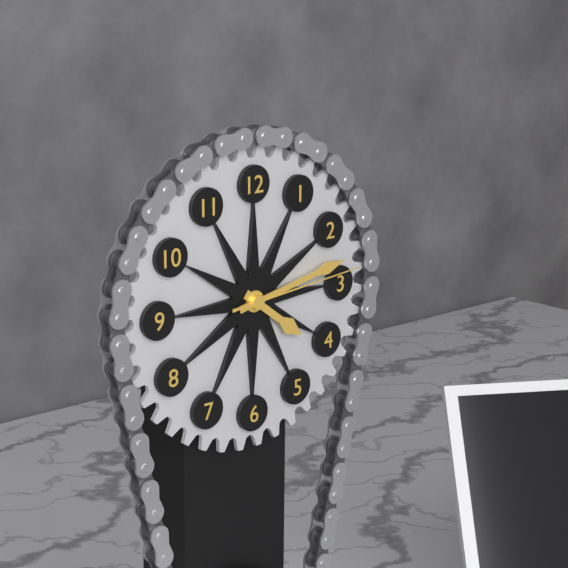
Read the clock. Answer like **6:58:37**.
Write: **4:13:14**
